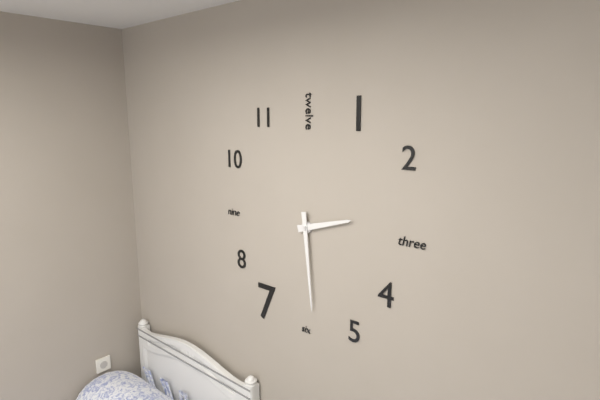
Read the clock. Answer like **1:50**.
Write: **2:29**
